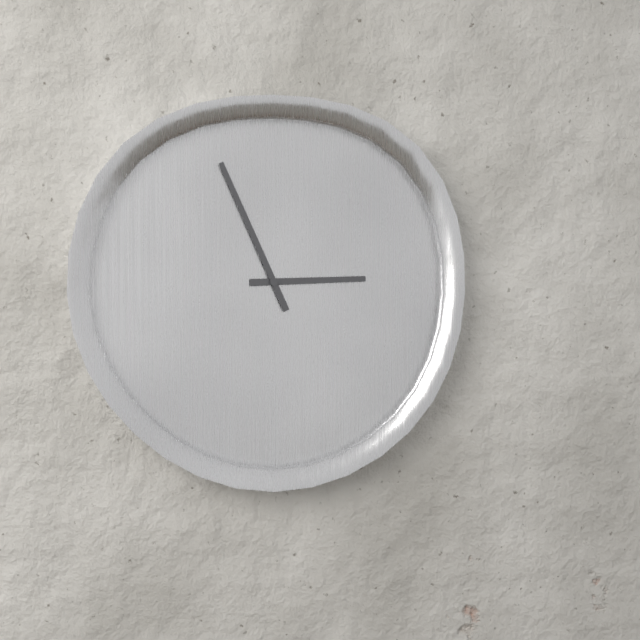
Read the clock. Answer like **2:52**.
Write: **2:56**
